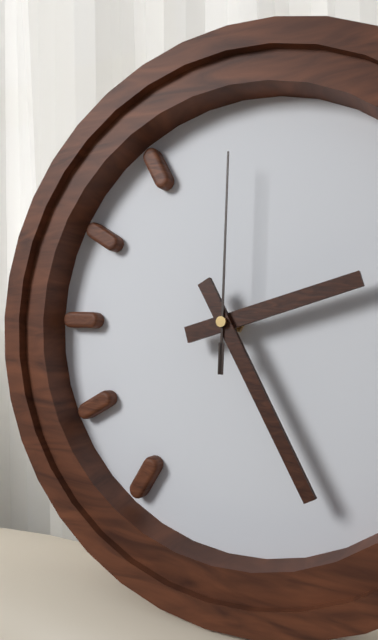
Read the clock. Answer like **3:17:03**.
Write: **2:25:00**
